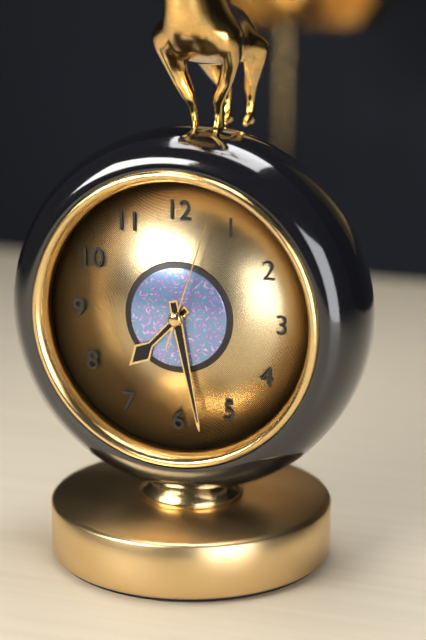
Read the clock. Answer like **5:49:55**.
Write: **7:28:03**
